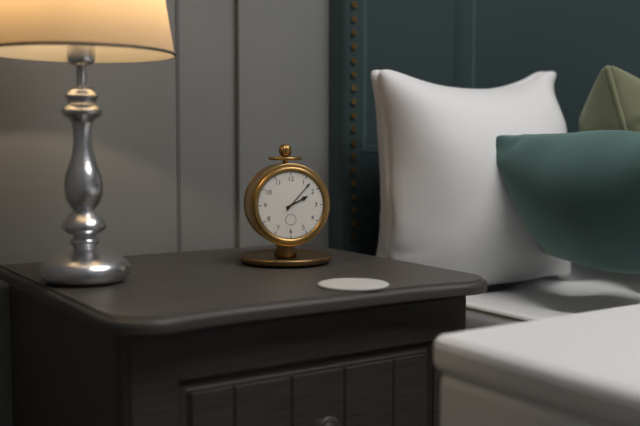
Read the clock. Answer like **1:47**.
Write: **2:07**
